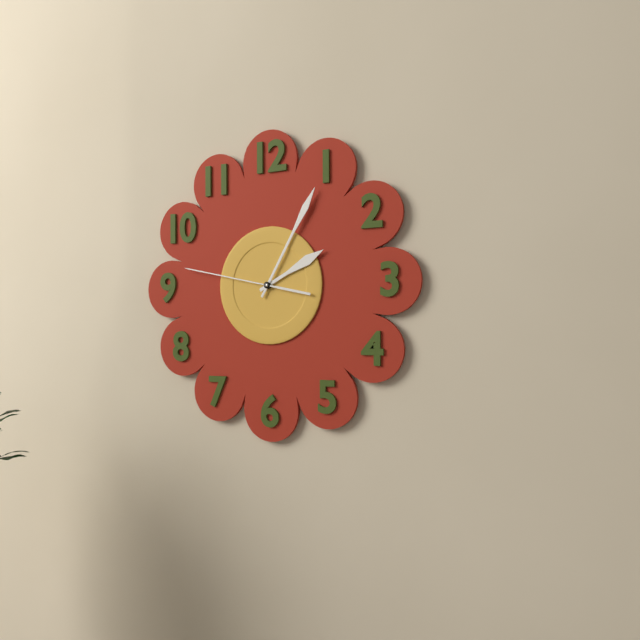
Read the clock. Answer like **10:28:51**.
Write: **2:05:47**
